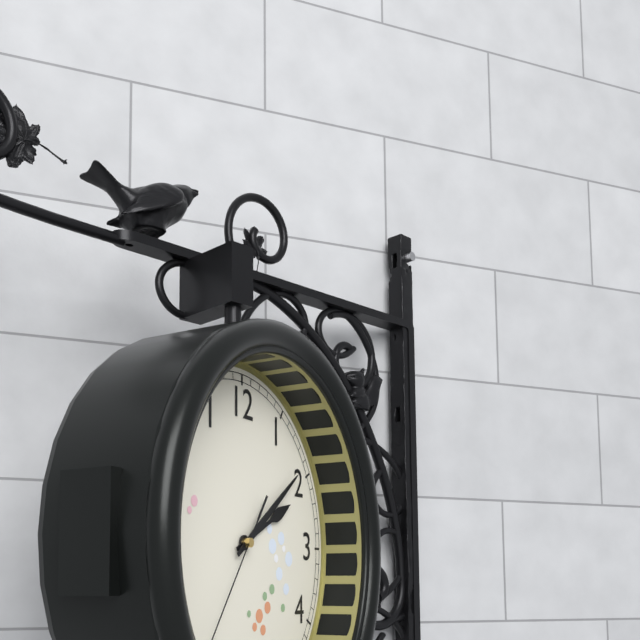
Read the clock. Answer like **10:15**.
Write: **2:09**
